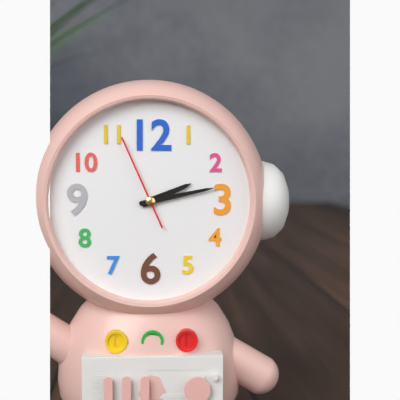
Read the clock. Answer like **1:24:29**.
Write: **2:13:56**
